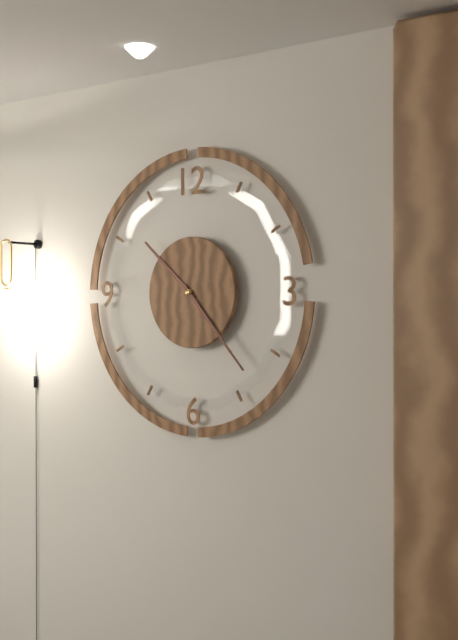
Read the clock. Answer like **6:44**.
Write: **10:23**
